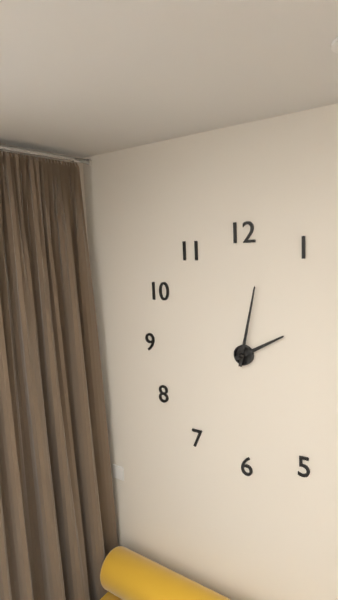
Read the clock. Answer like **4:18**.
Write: **2:02**
